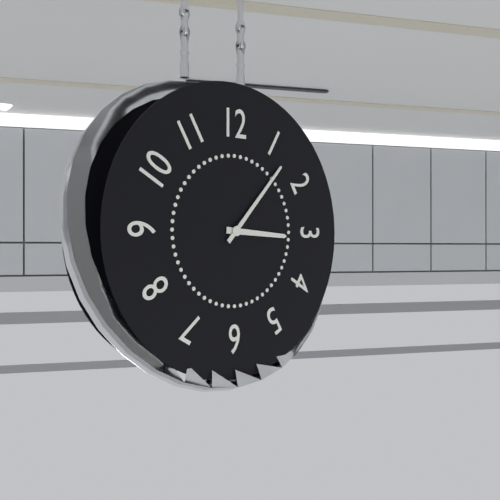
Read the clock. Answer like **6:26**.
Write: **3:07**
